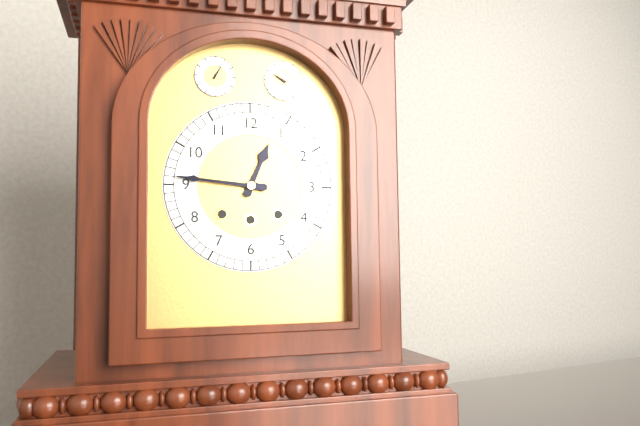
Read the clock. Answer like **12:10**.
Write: **12:46**
